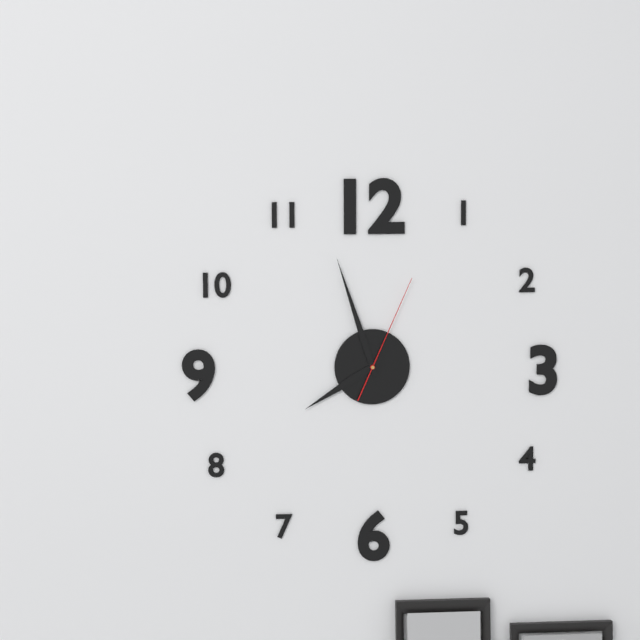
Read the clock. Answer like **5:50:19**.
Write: **7:57:04**
